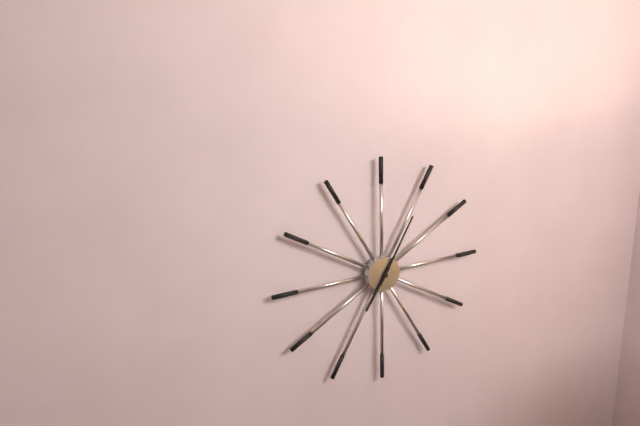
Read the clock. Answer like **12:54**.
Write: **7:05**
